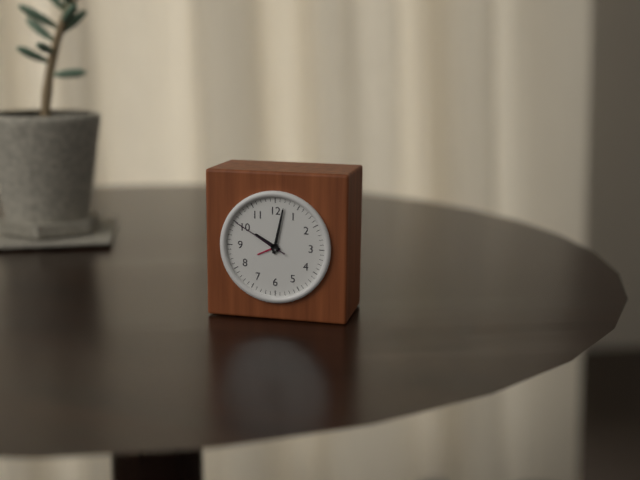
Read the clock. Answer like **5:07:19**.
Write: **10:02:50**
